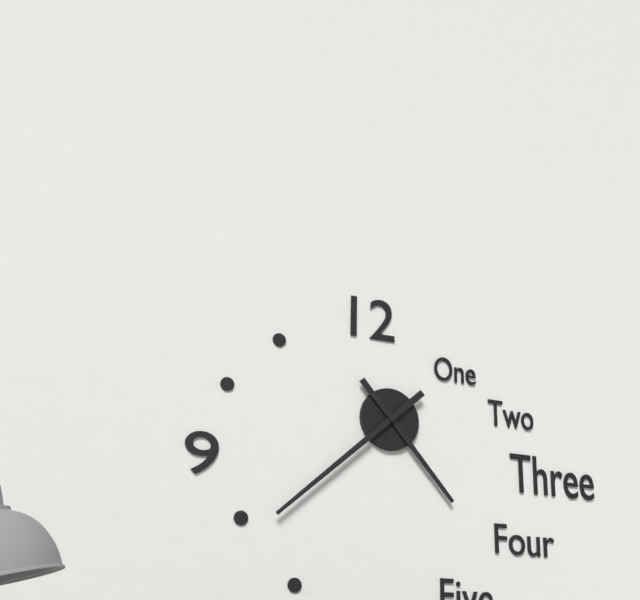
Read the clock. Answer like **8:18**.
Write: **4:38**
